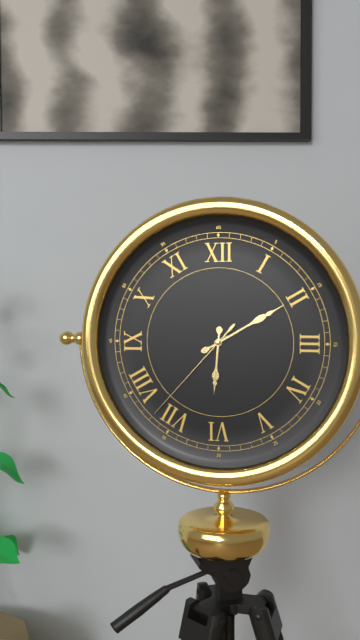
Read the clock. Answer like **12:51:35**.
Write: **6:10:37**
